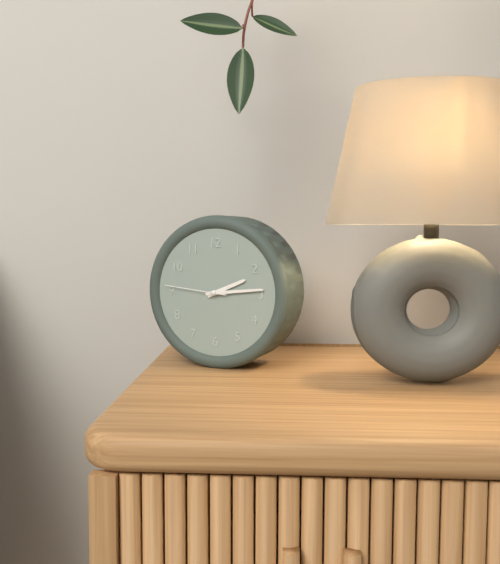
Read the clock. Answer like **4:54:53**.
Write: **2:14:46**
